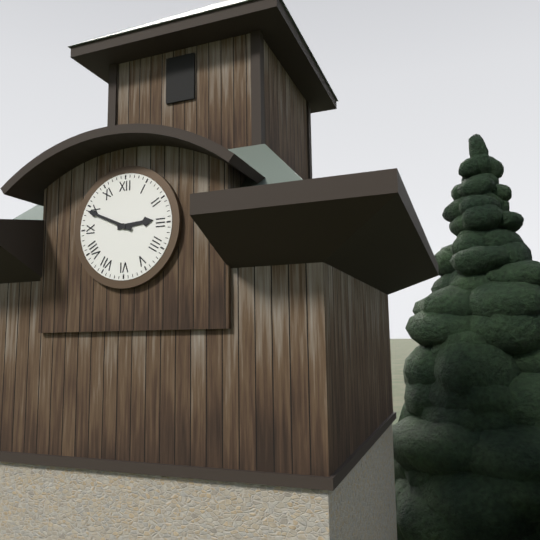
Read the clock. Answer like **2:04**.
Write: **2:49**
